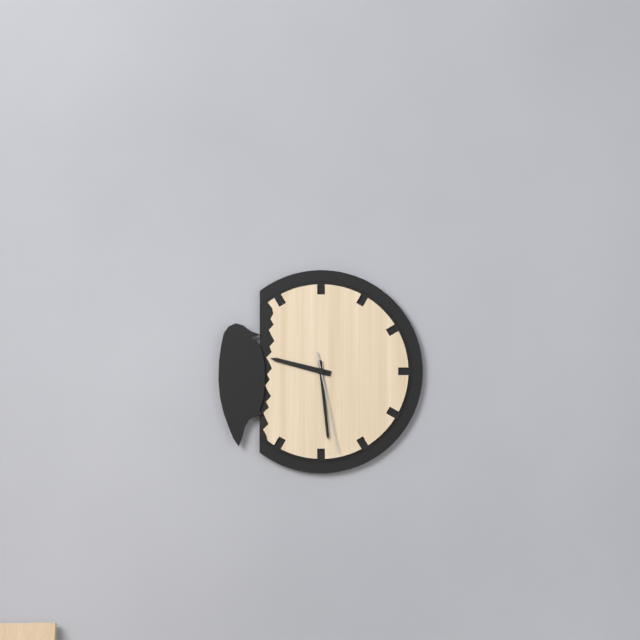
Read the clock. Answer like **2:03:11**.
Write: **9:29:28**
